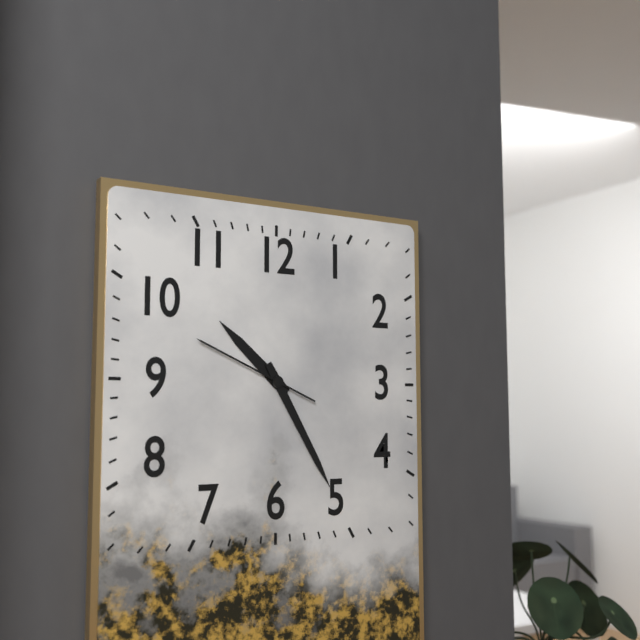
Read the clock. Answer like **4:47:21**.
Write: **10:25:49**
